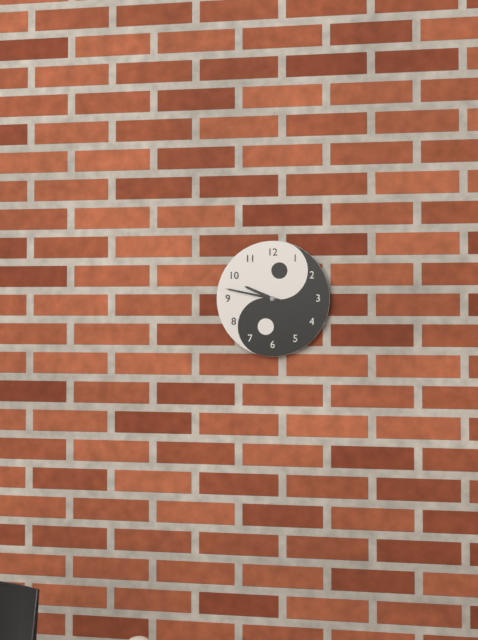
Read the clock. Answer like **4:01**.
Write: **9:47**
